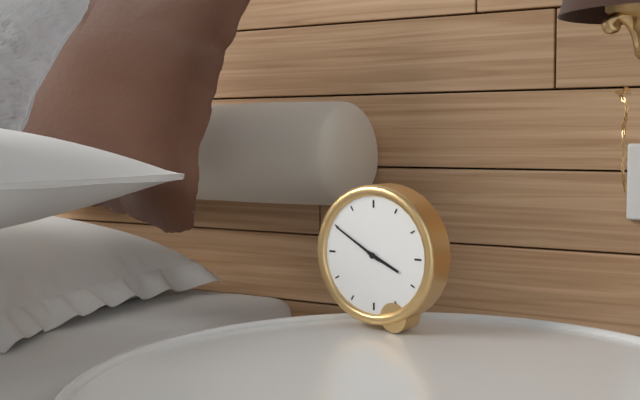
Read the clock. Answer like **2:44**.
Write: **3:50**
